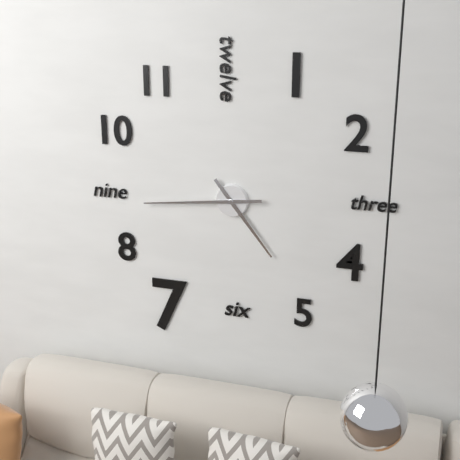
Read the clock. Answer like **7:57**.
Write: **4:44**
